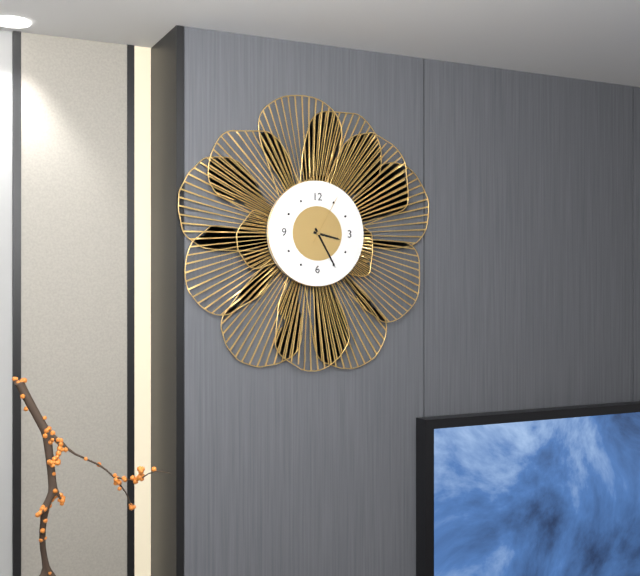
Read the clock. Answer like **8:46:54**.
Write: **3:25:05**
